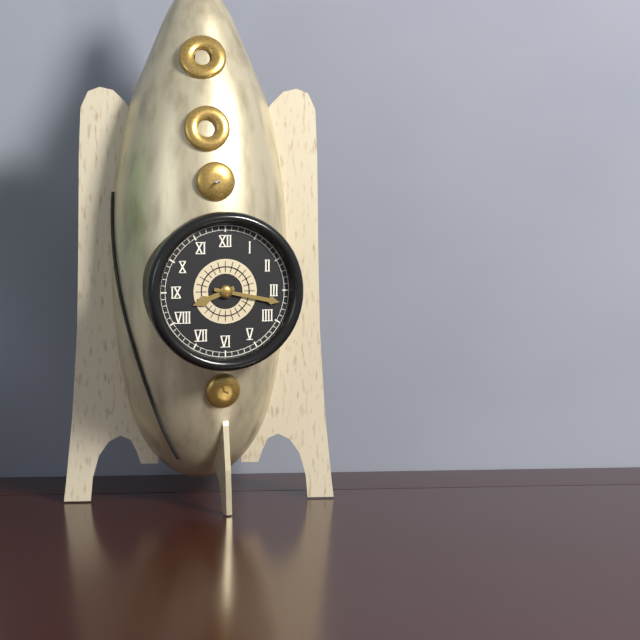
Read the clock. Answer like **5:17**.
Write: **8:17**
